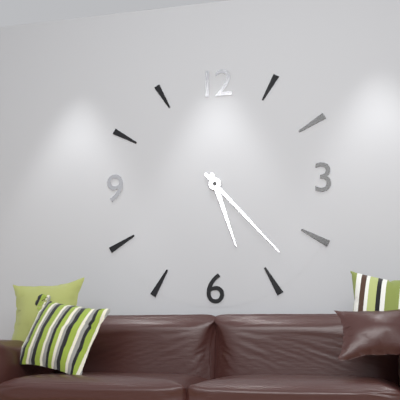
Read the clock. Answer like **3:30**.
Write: **5:23**
